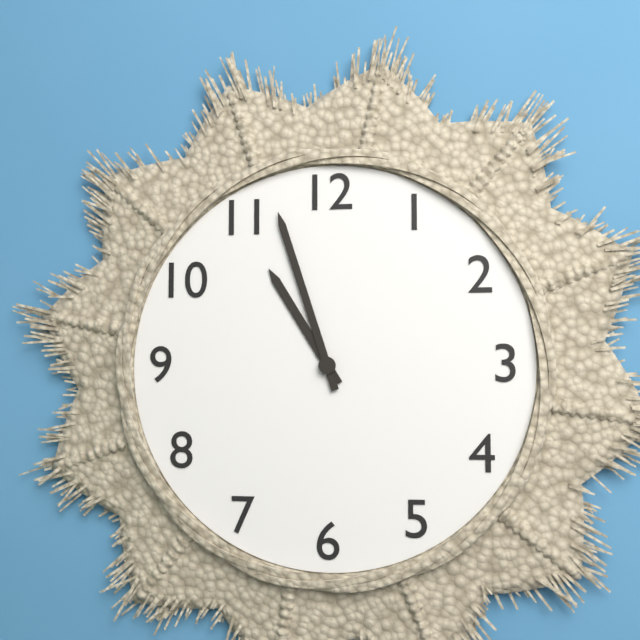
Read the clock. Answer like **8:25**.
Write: **10:57**
